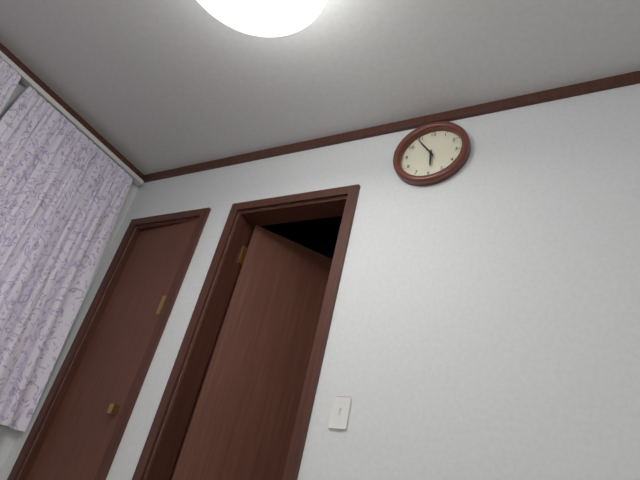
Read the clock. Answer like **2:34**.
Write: **5:54**
